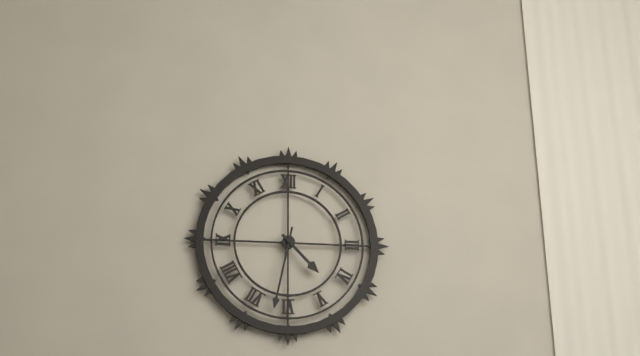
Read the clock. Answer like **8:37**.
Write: **4:32**
